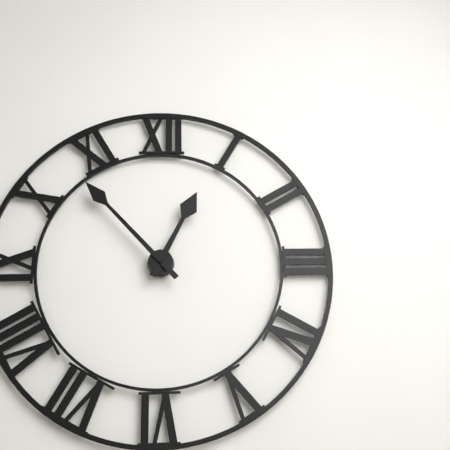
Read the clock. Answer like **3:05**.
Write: **12:53**
